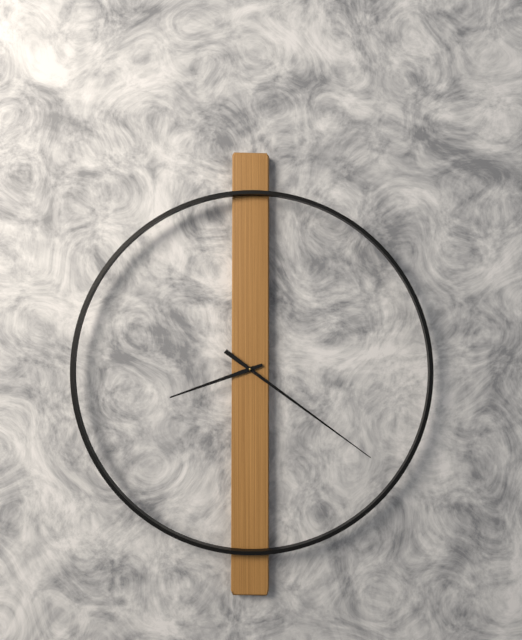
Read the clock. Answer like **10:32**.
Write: **8:21**
